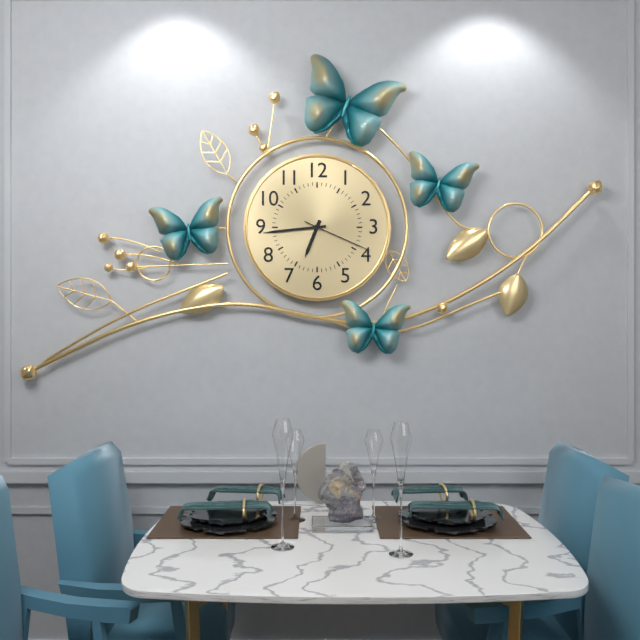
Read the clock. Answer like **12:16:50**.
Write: **6:44:19**
